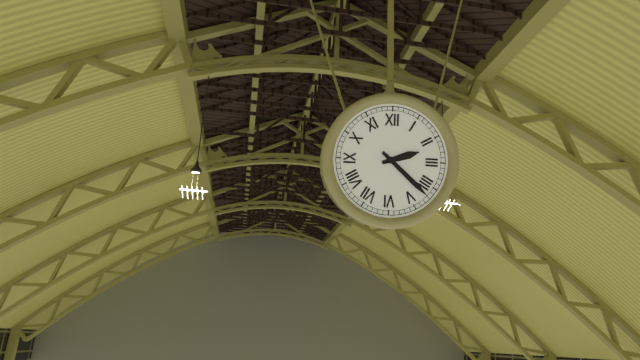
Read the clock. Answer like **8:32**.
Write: **2:22**
